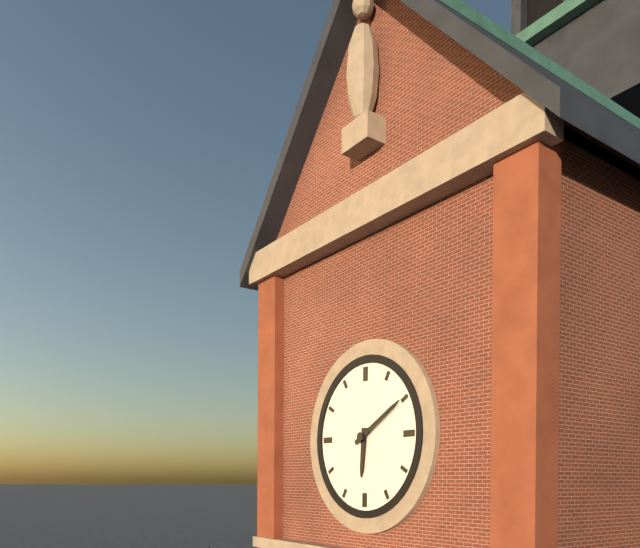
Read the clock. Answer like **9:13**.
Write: **6:10**
